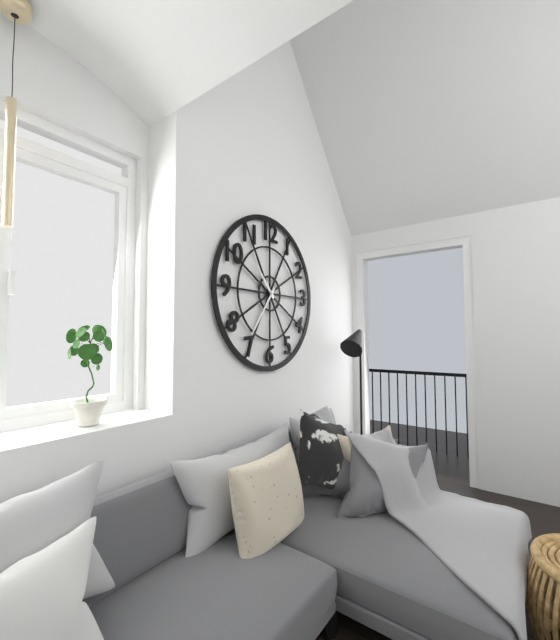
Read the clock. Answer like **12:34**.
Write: **10:36**
